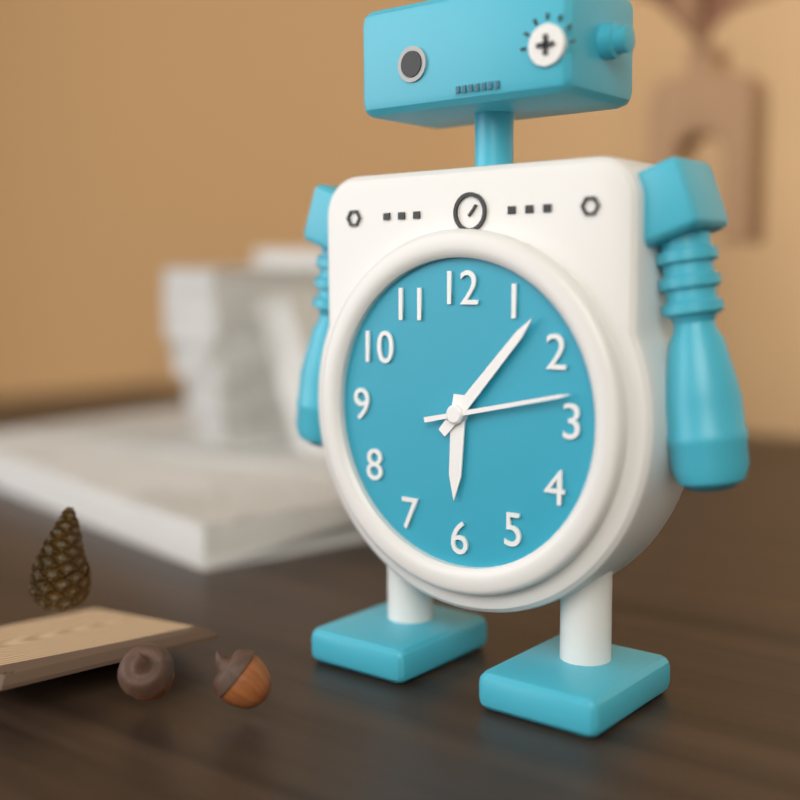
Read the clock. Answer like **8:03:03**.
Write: **6:07:13**
